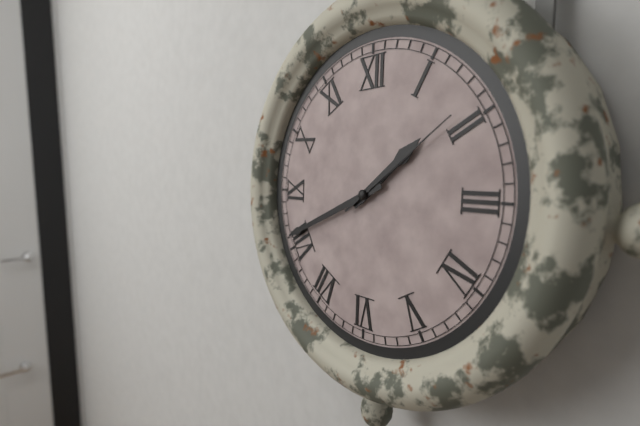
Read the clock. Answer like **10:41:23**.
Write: **1:41:09**
